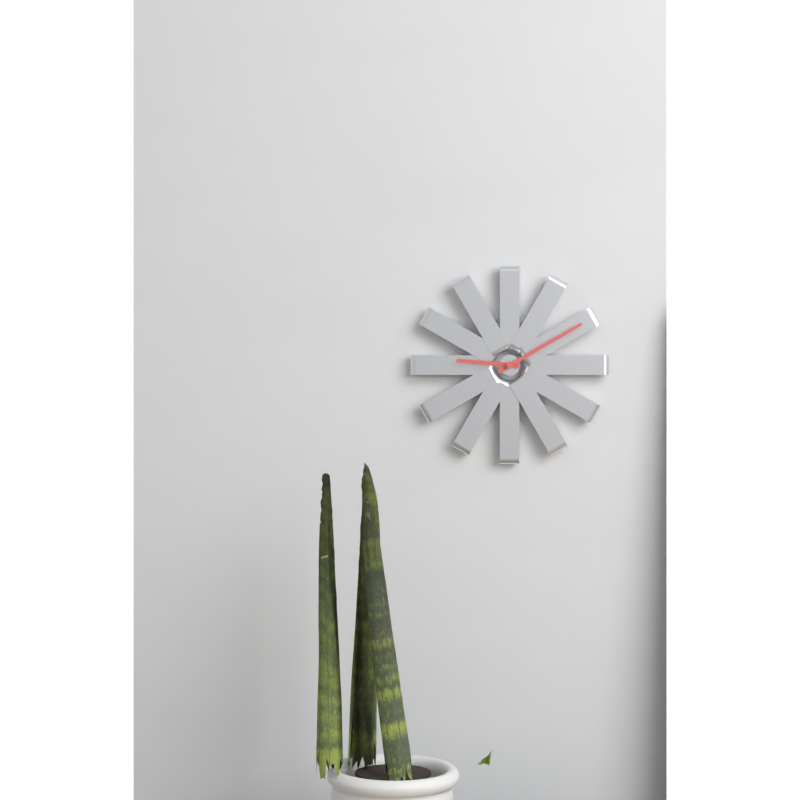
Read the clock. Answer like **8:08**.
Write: **9:10**
